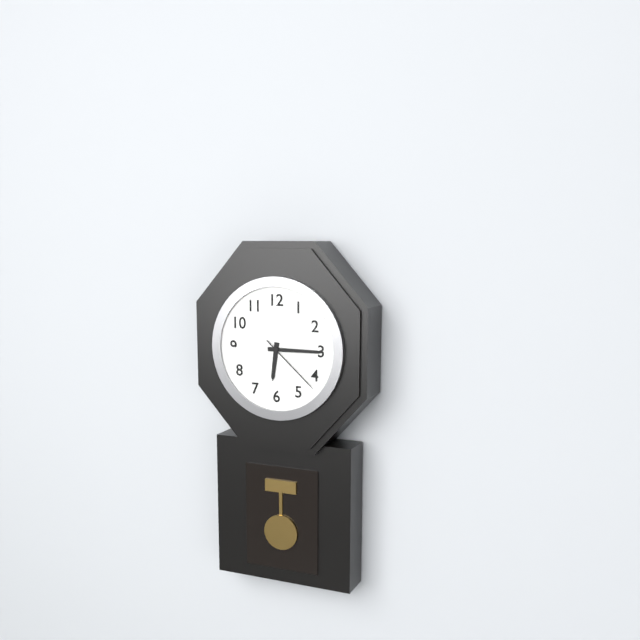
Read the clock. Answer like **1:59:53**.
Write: **6:15:22**
